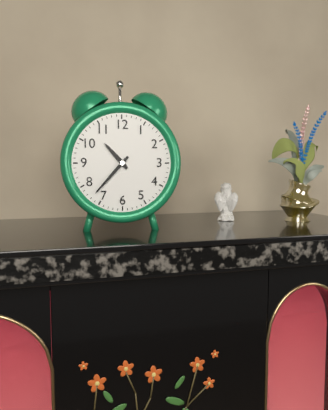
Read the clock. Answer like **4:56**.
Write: **10:37**
